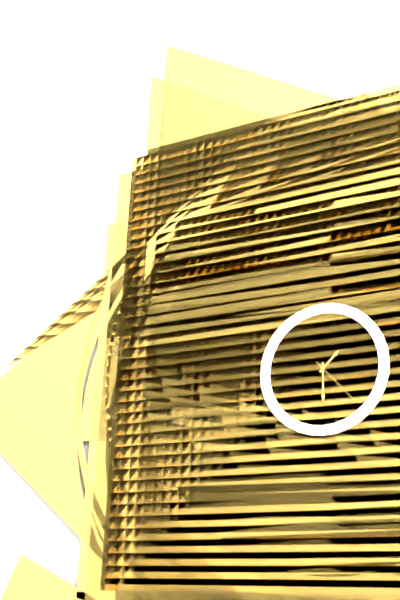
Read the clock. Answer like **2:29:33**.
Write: **1:30:23**
